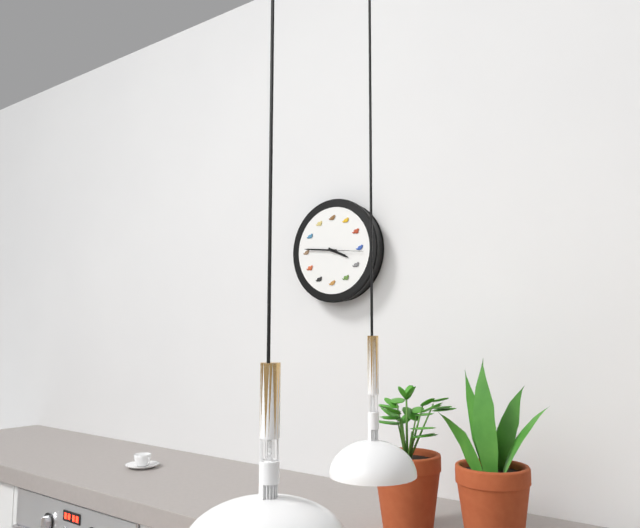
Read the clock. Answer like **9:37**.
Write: **3:46**
